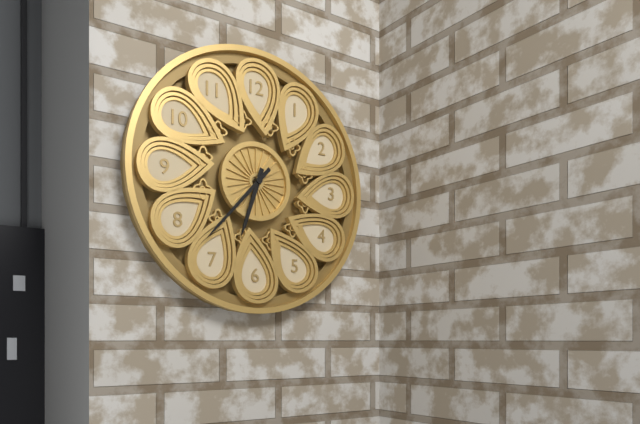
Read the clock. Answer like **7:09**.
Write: **6:37**
